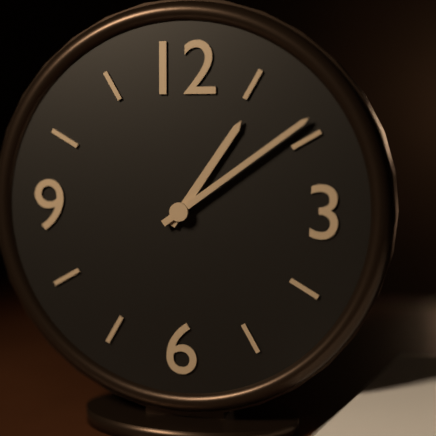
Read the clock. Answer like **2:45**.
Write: **1:09**
